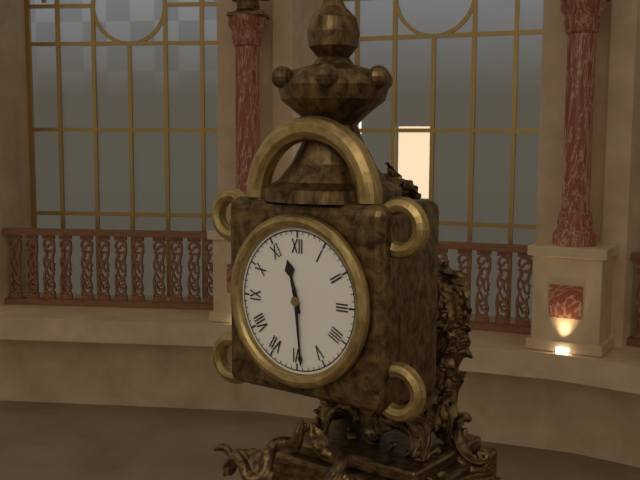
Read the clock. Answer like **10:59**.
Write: **11:29**
